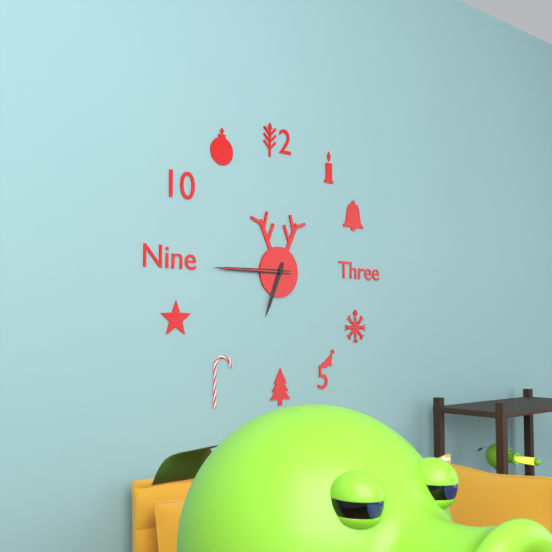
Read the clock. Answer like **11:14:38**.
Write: **6:45:45**
